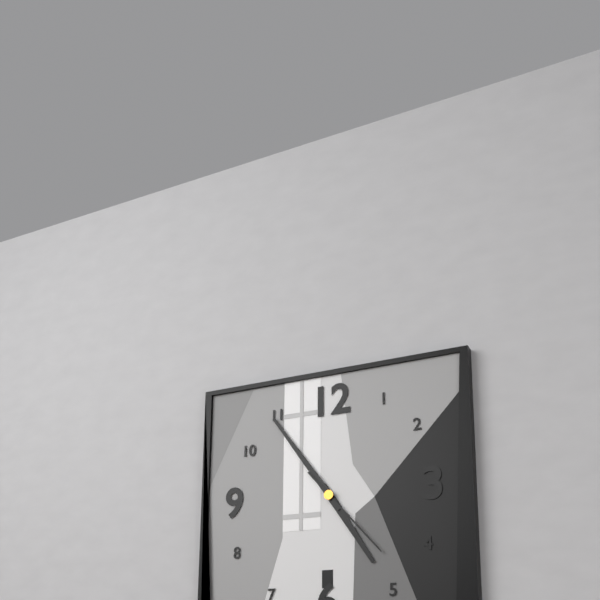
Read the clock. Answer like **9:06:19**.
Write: **4:54:23**
